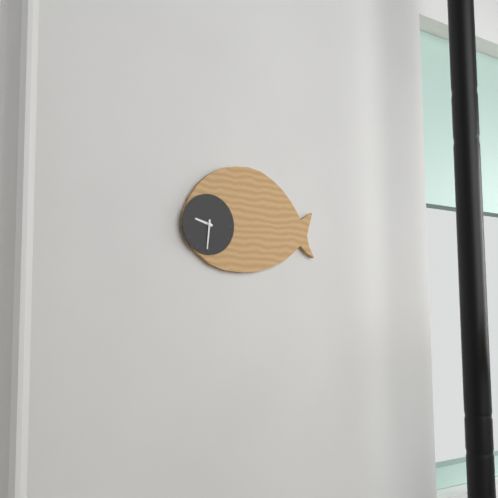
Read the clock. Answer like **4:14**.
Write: **9:31**
